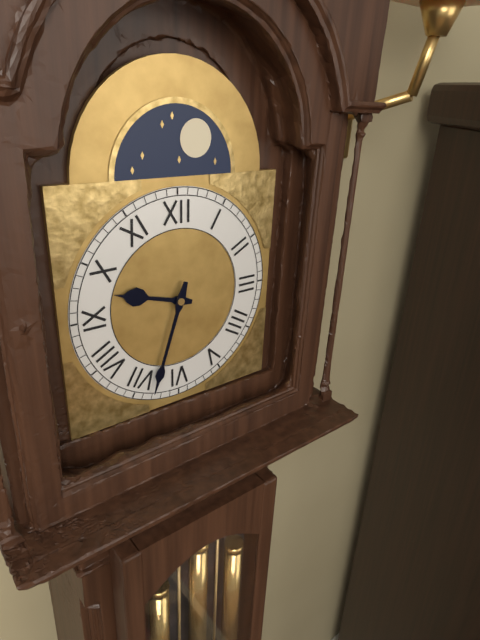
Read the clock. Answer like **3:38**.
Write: **9:33**
